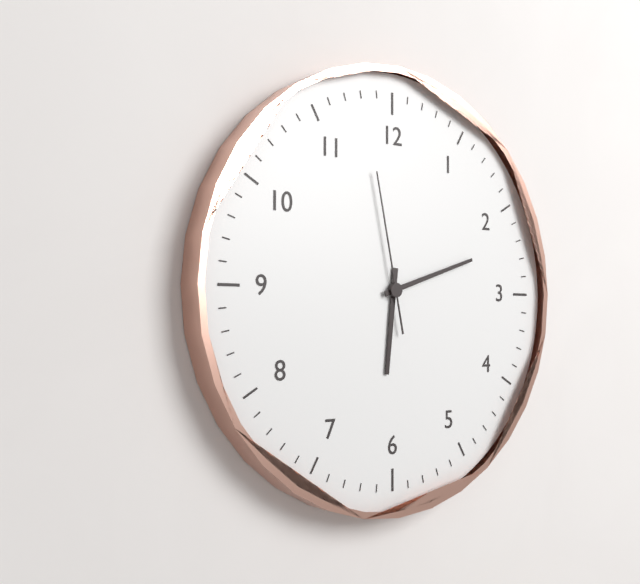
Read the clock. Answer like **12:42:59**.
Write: **6:12:58**
